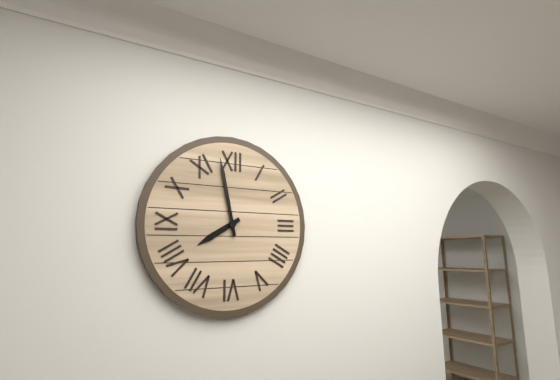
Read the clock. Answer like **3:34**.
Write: **7:58**
